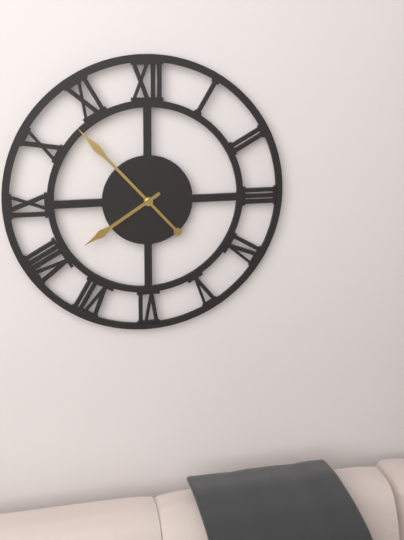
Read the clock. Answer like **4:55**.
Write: **7:53**
